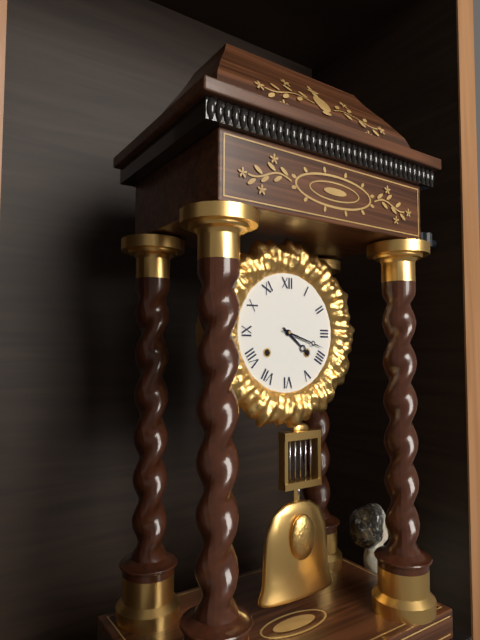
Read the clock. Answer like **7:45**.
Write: **4:18**
